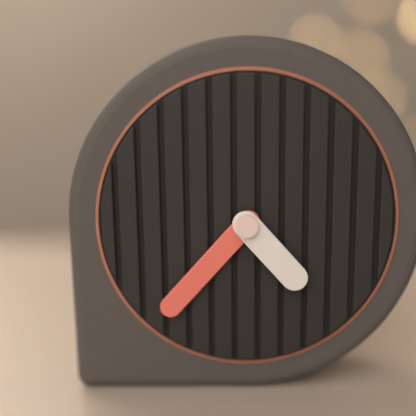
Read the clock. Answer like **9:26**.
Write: **4:37**
